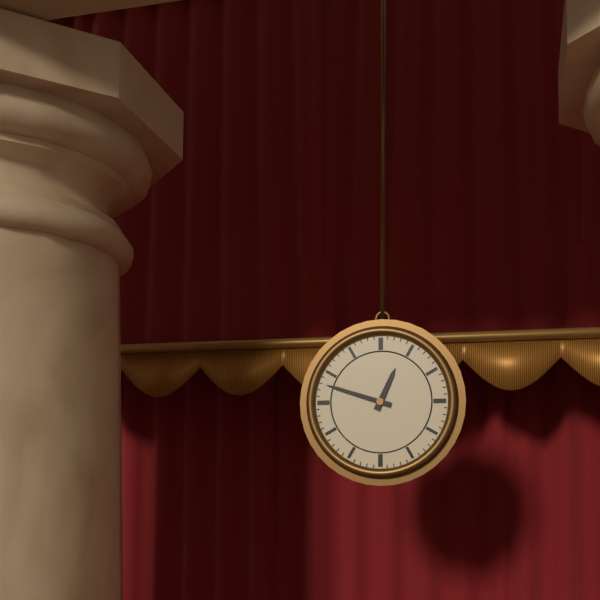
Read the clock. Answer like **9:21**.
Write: **12:48**
